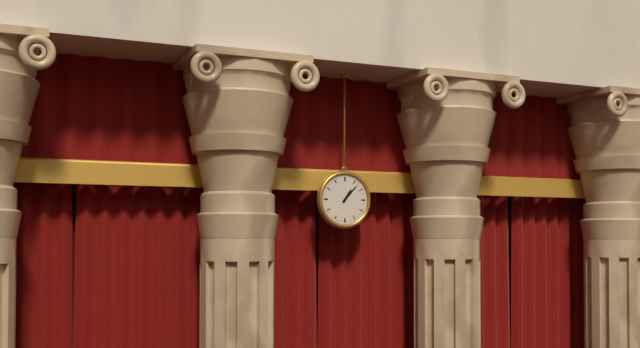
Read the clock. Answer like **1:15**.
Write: **1:07**
